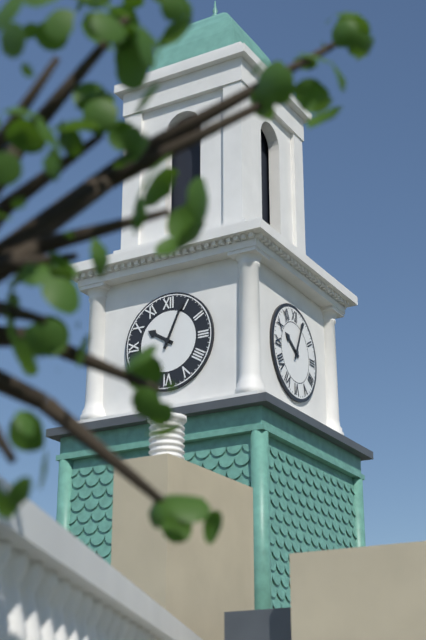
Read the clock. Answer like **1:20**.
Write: **10:04**
